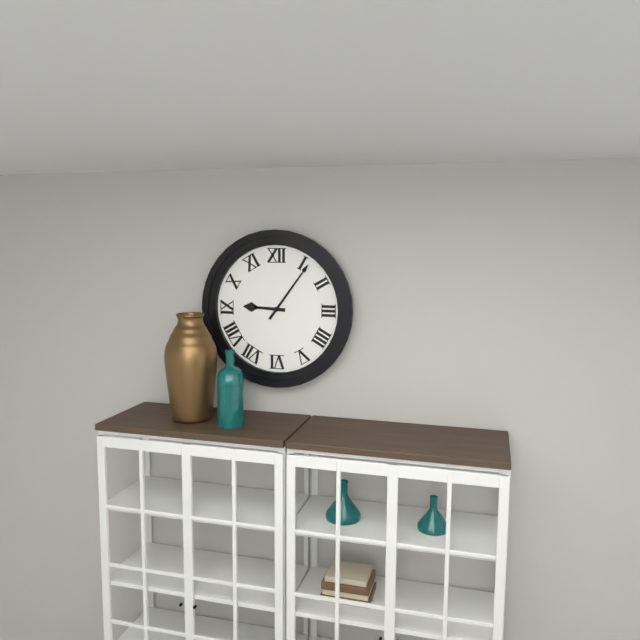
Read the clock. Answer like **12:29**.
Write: **9:06**
